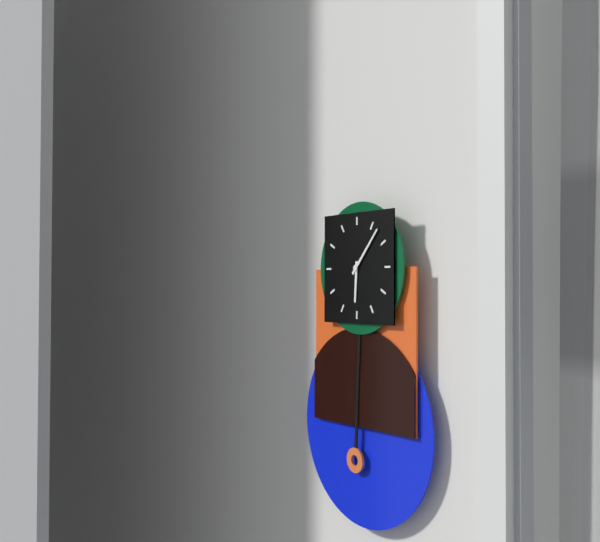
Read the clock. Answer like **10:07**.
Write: **6:07**
